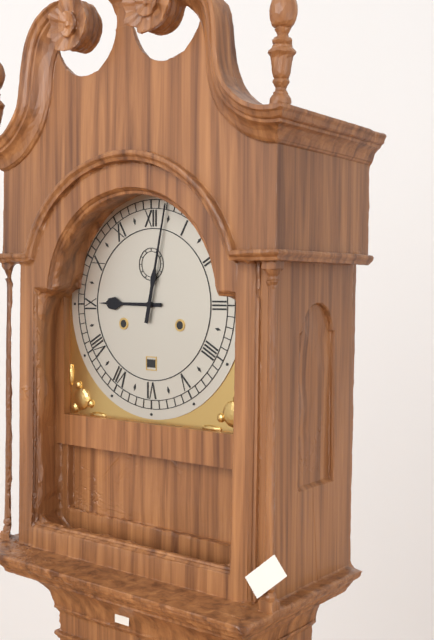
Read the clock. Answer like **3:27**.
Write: **9:02**
